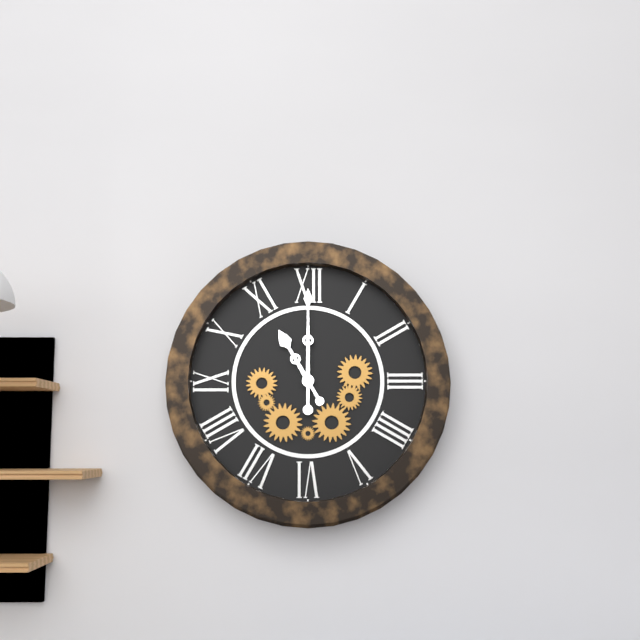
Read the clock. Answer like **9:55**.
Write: **11:00**
